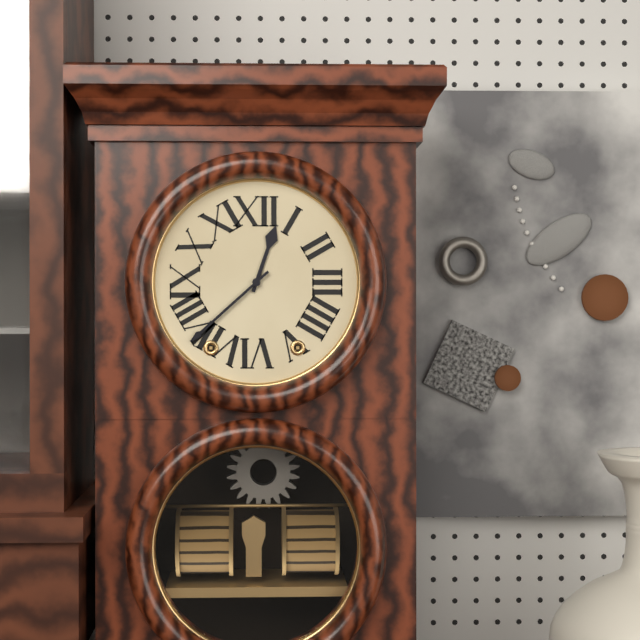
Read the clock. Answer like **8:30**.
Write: **12:38**
